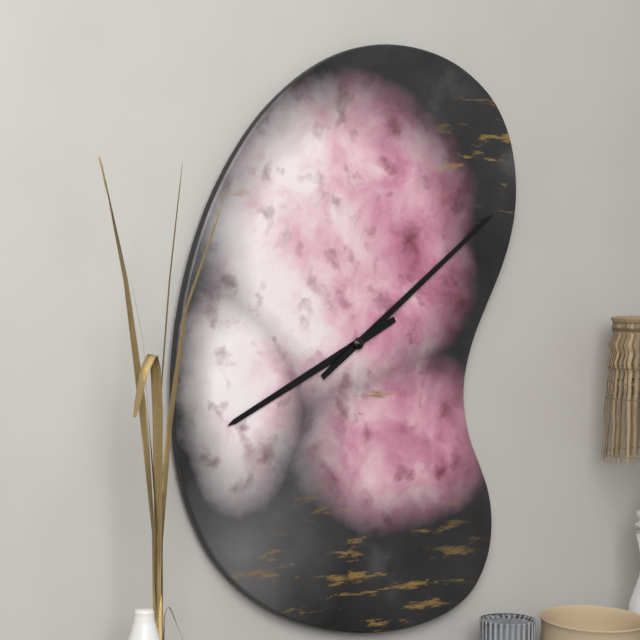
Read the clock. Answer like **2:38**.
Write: **8:09**
